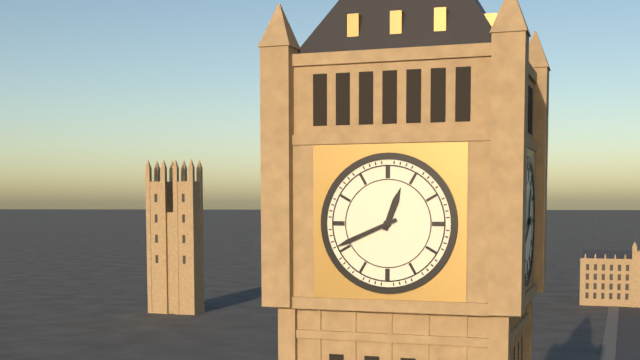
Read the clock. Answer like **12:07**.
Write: **12:41**
